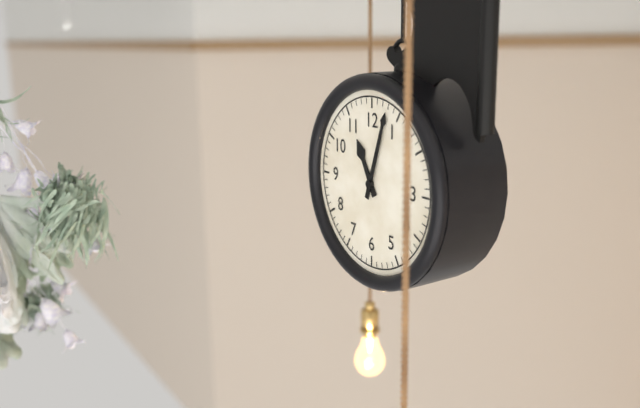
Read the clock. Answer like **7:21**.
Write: **11:03**
